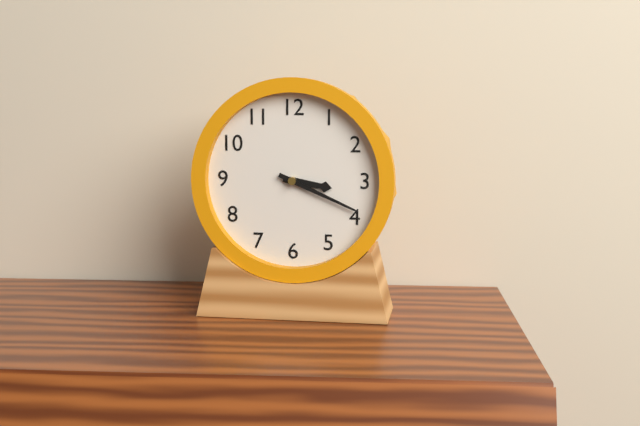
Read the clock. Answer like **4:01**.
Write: **3:19**
